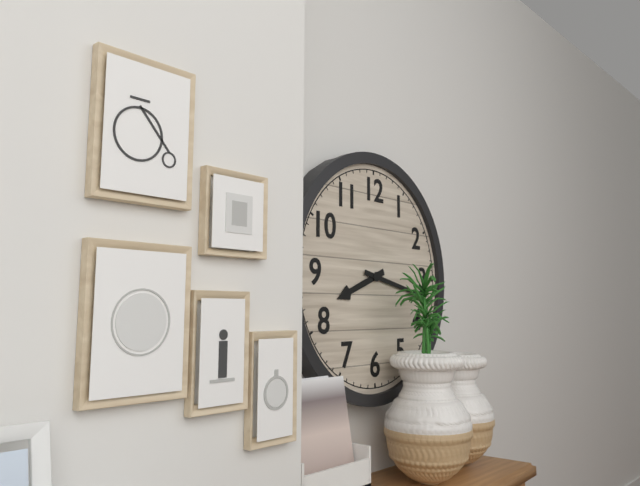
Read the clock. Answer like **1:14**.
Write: **8:17**
